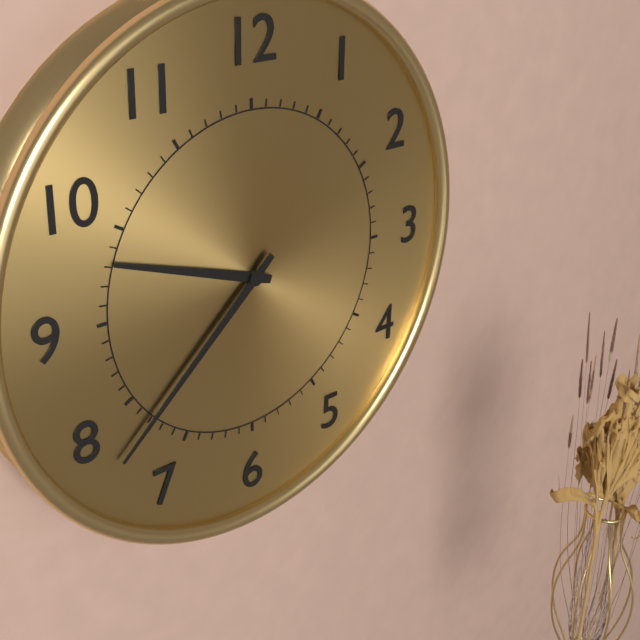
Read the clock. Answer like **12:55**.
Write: **9:38**
